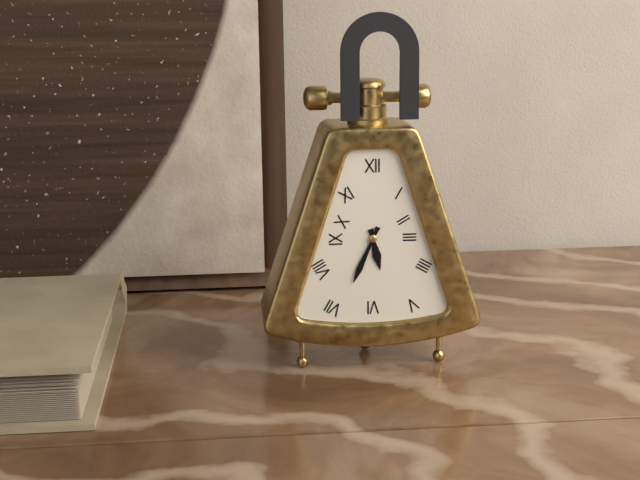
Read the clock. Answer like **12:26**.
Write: **5:34**
